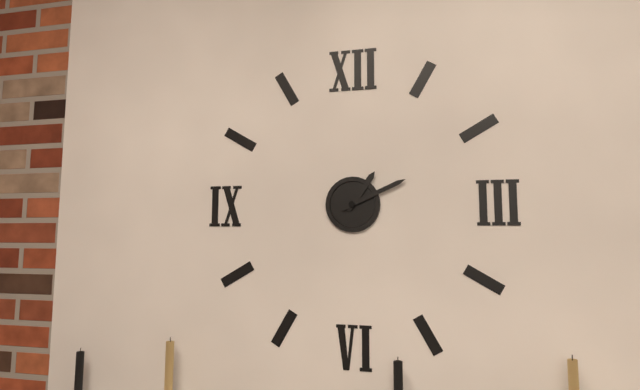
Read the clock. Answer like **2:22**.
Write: **1:11**
